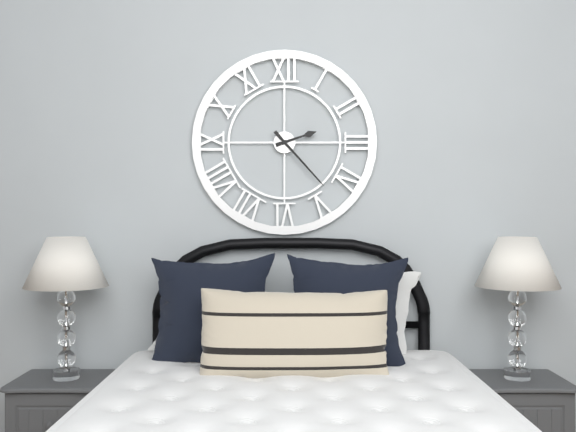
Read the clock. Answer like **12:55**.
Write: **2:23**
